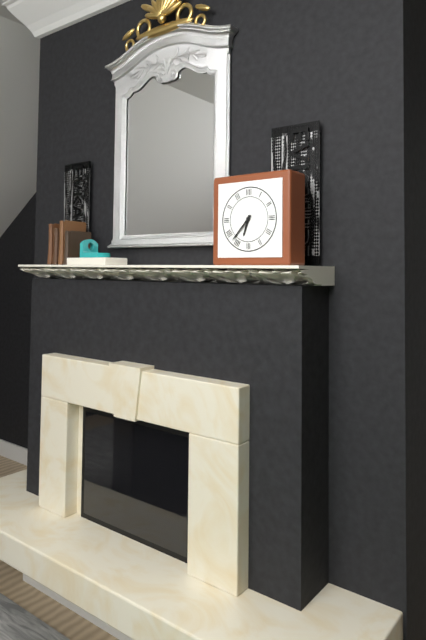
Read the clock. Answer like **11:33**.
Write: **6:37**
